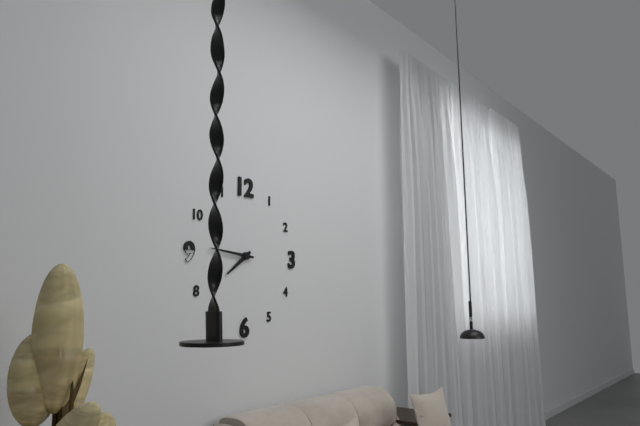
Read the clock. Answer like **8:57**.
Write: **7:46**
